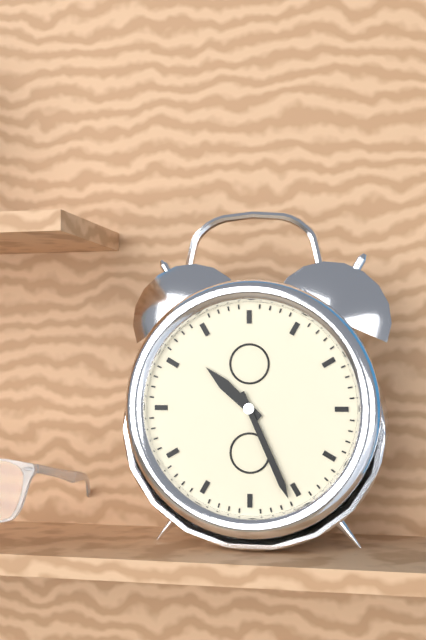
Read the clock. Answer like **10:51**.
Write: **10:26**
